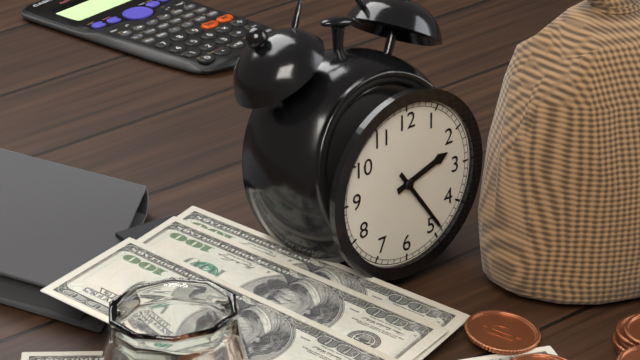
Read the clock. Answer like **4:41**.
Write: **2:24**
